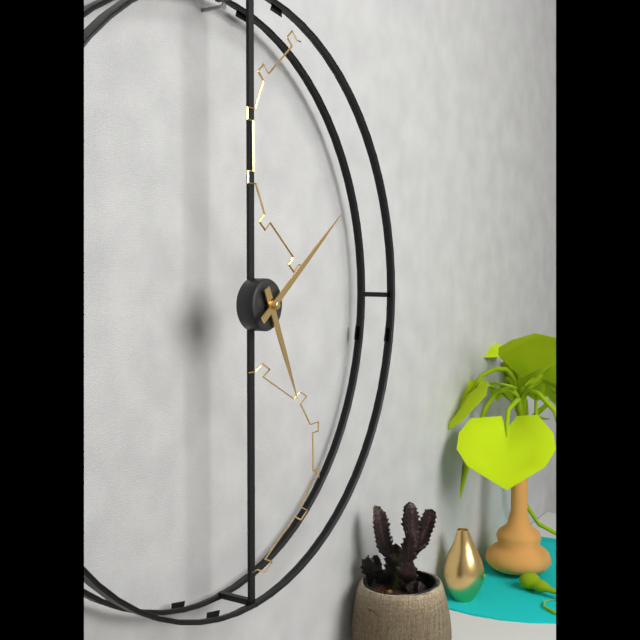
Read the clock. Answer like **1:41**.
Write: **5:09**
